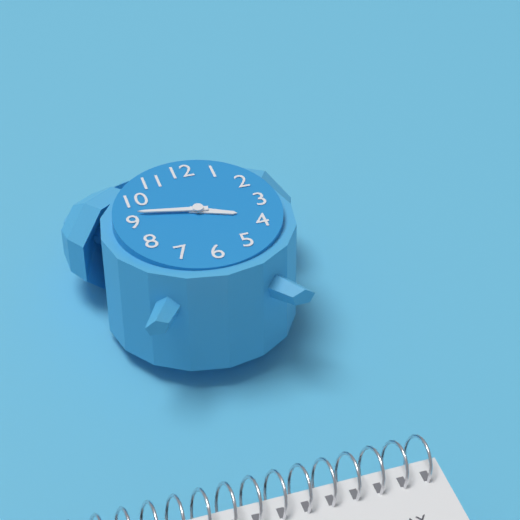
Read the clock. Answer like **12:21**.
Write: **3:47**
